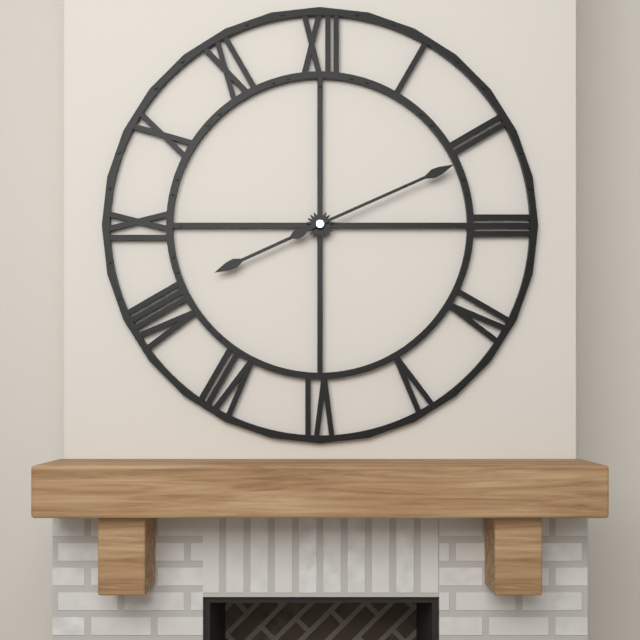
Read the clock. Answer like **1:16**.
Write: **8:11**
